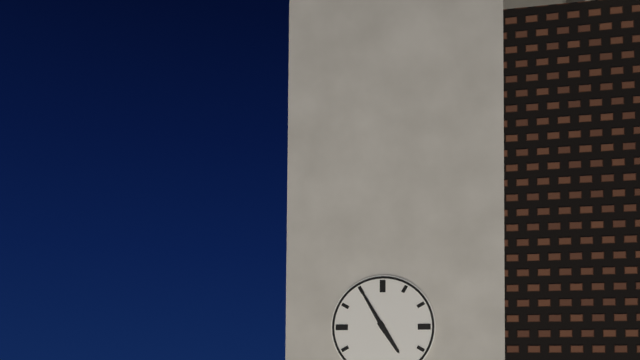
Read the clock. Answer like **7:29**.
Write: **4:55**
